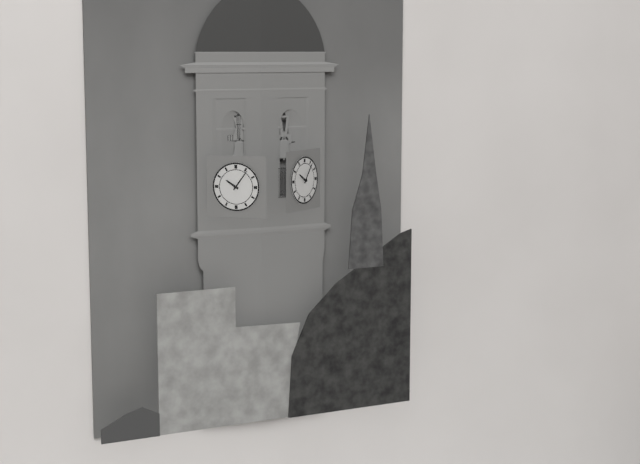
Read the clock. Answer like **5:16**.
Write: **10:06**
